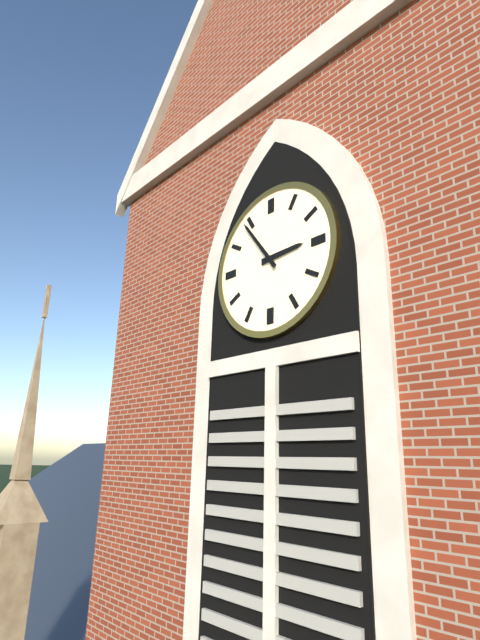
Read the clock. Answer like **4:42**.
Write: **2:54**
